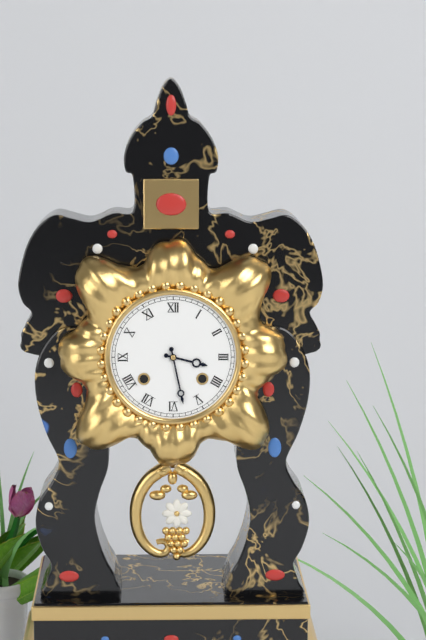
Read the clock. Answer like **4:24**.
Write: **3:28**
